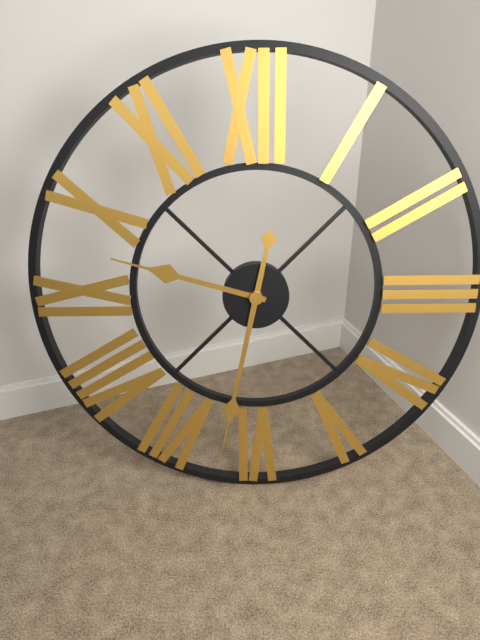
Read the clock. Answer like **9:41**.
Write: **9:32**
